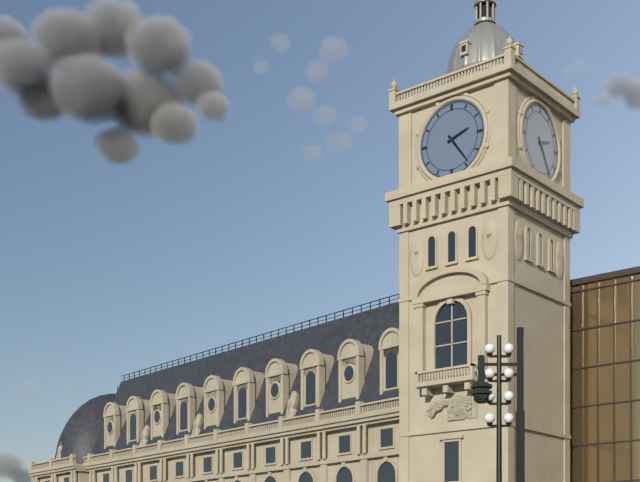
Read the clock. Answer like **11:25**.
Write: **2:24**
